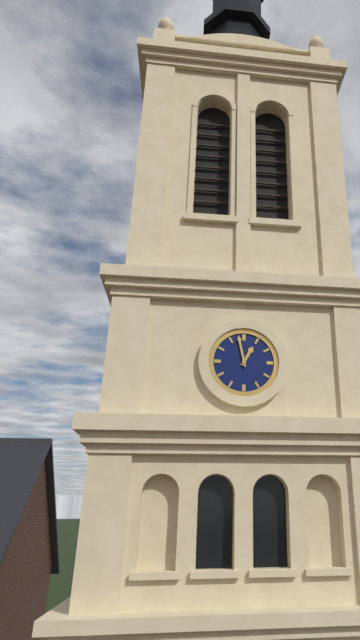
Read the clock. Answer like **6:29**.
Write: **12:58**
